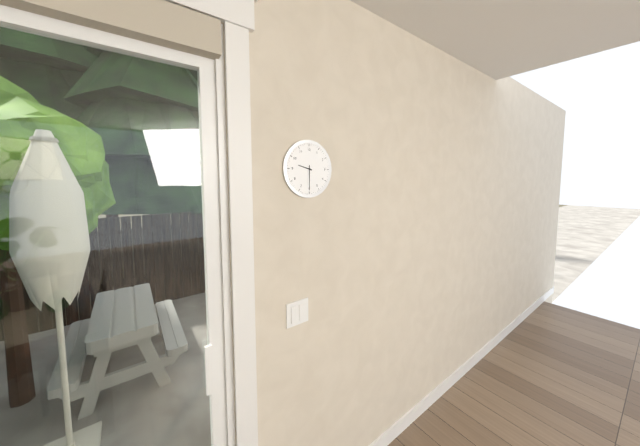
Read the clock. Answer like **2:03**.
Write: **9:30**
